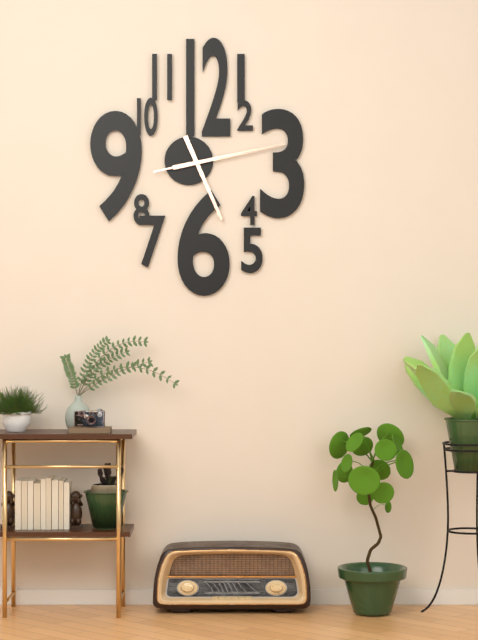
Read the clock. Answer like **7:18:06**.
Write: **5:13:13**
